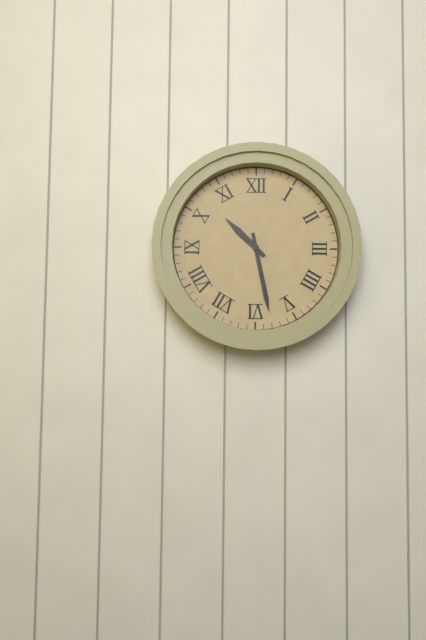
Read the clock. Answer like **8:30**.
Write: **10:28**
